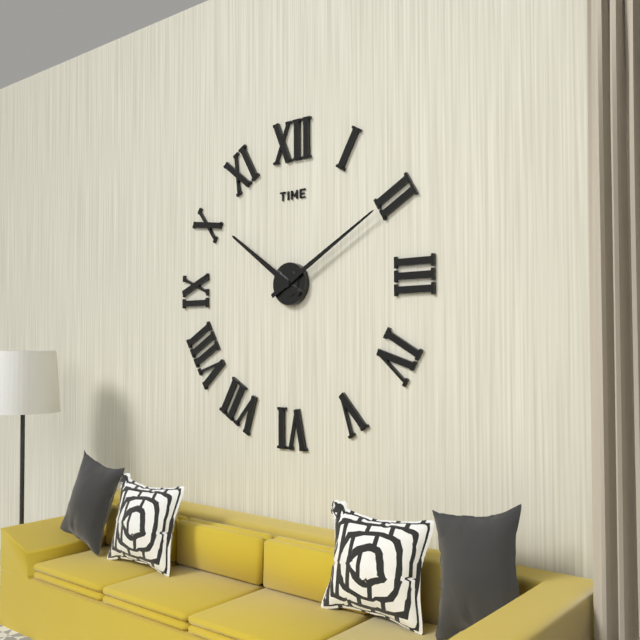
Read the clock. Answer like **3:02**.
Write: **10:10**
